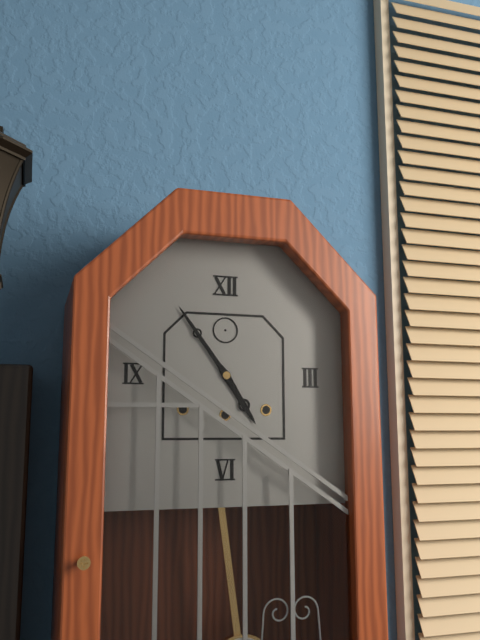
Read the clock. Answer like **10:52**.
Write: **4:54**
